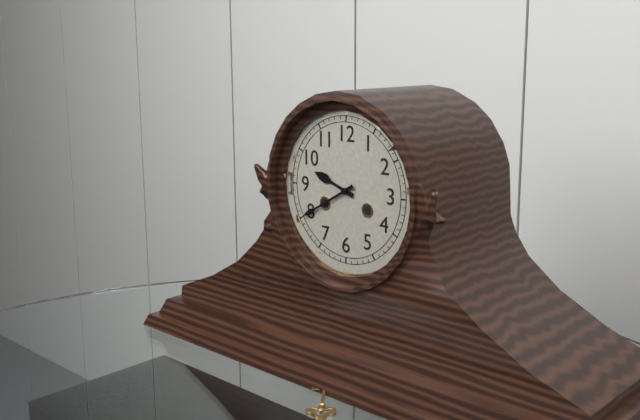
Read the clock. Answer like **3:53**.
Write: **9:40**
